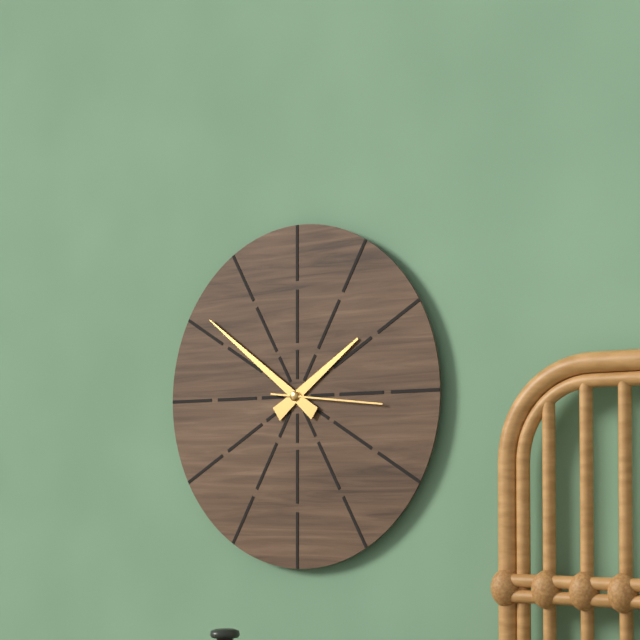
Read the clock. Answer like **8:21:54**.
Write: **1:51:16**
